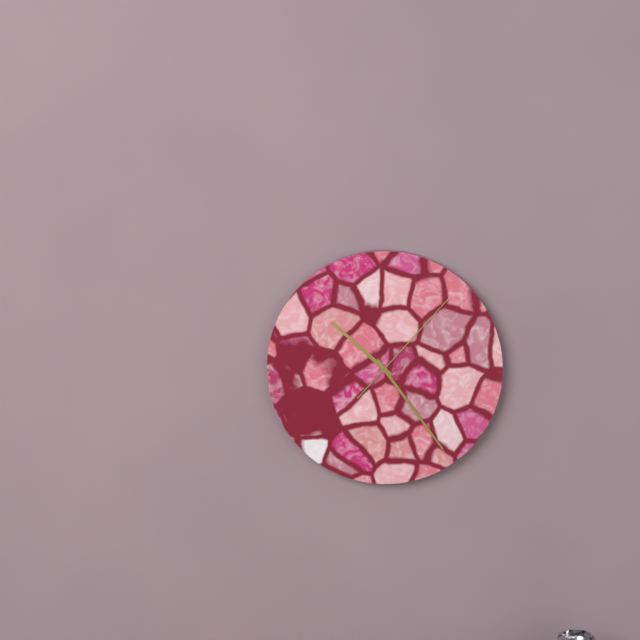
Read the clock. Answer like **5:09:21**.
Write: **10:24:07**
